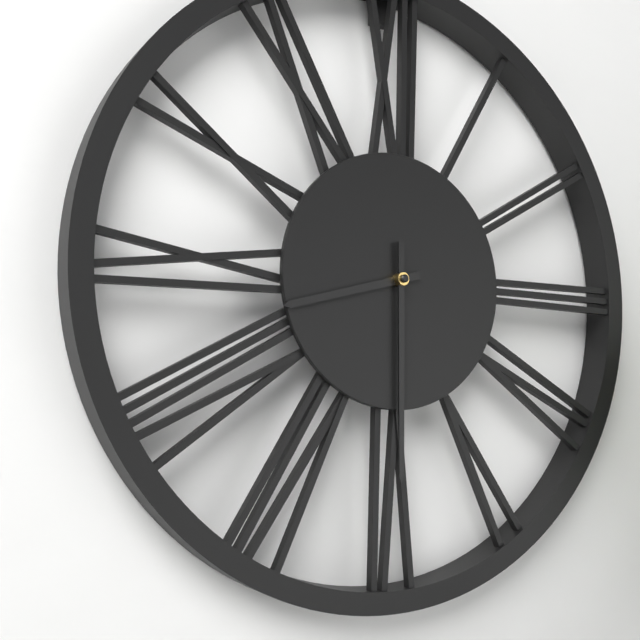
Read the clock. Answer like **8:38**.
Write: **8:30**
